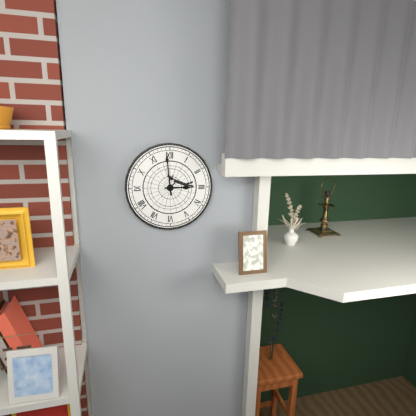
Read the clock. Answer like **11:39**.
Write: **2:59**
